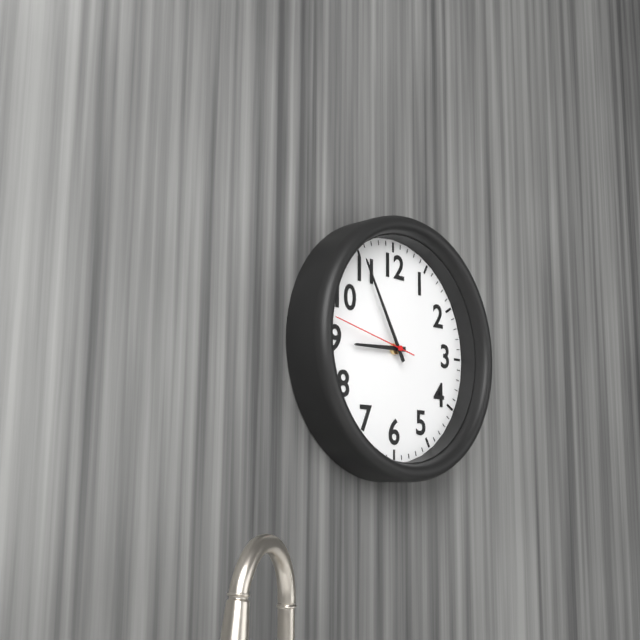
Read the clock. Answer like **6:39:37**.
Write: **8:55:47**
